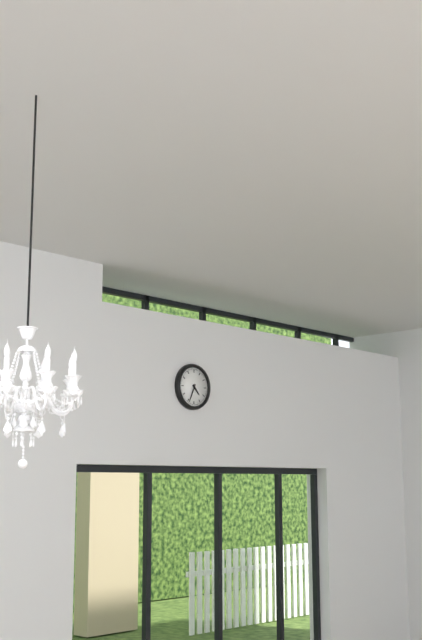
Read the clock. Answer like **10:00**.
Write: **4:34**
